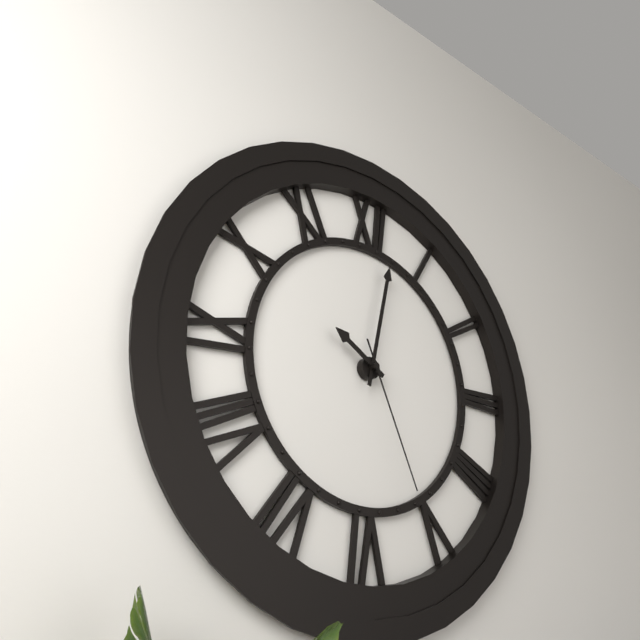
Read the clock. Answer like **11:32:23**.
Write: **10:02:26**
